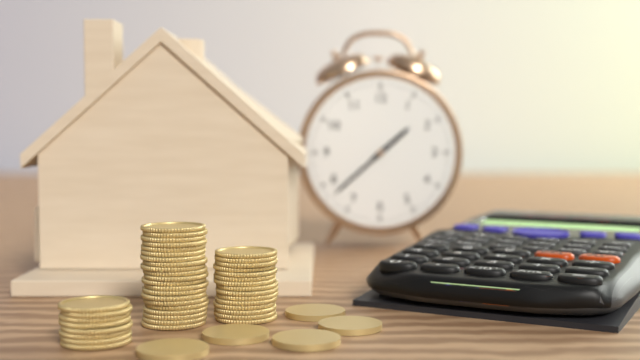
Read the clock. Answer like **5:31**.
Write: **1:38**
